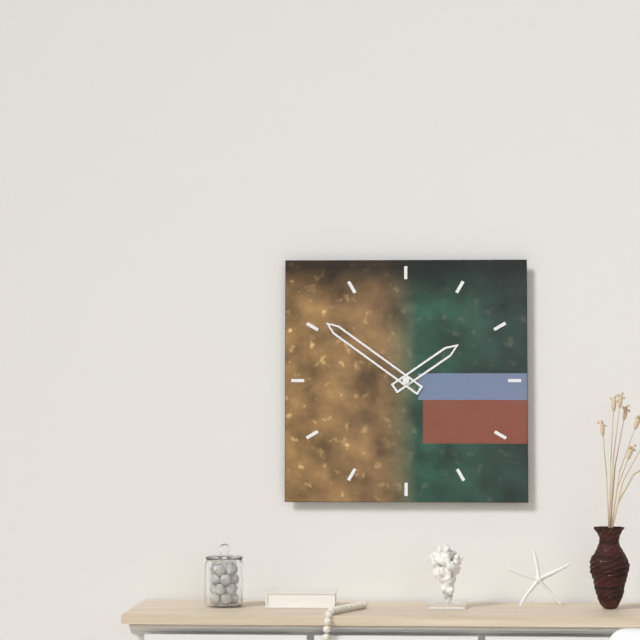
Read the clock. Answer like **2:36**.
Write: **1:51**
